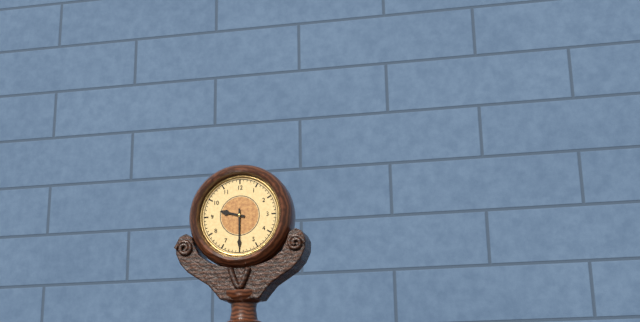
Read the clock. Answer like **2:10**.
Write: **9:30**
